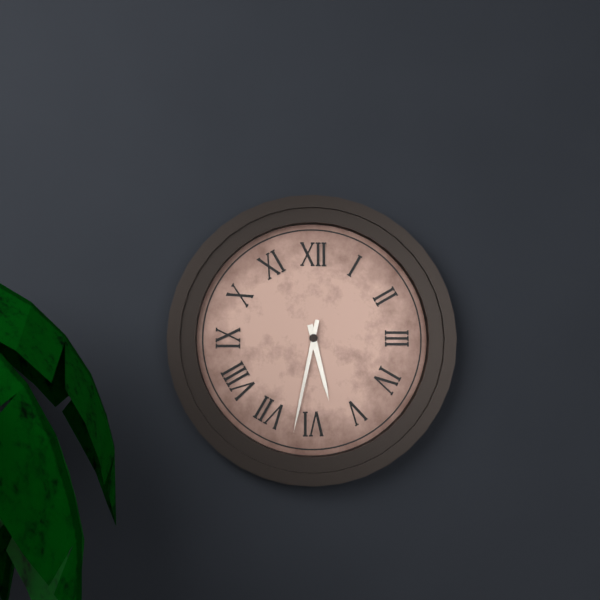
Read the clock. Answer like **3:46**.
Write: **5:32**
